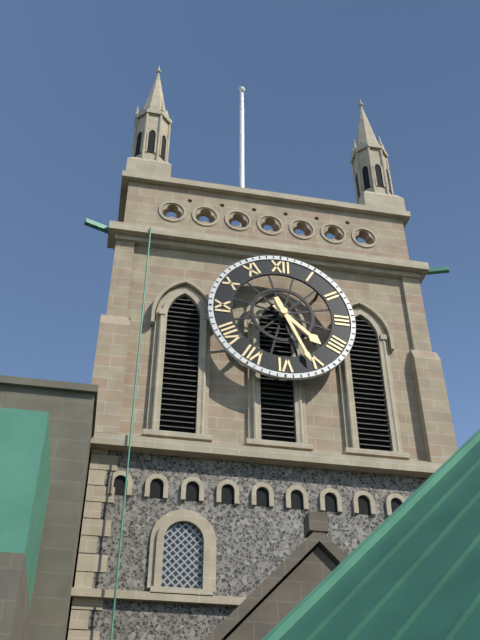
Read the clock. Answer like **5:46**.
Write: **4:26**
